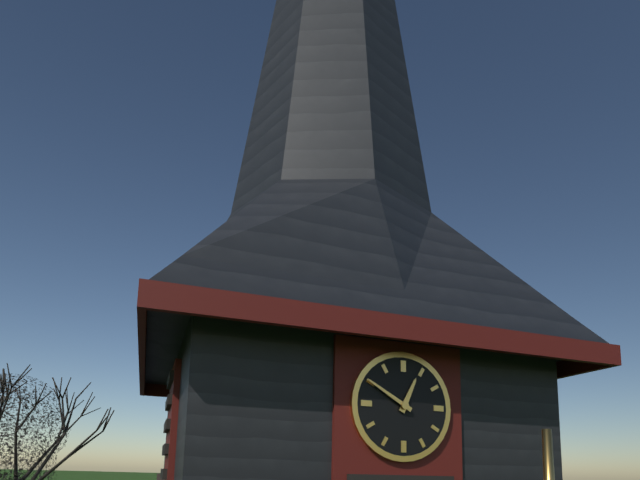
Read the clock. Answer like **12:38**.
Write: **12:50**
